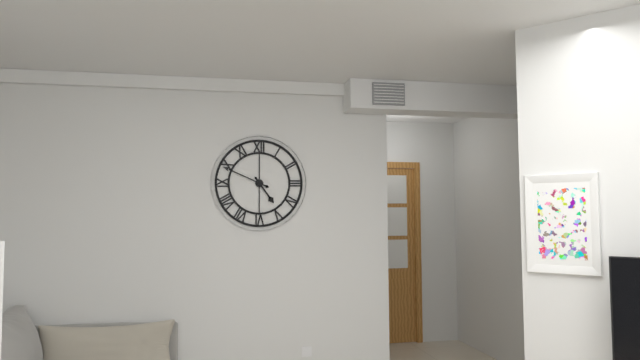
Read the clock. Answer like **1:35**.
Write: **4:49**
